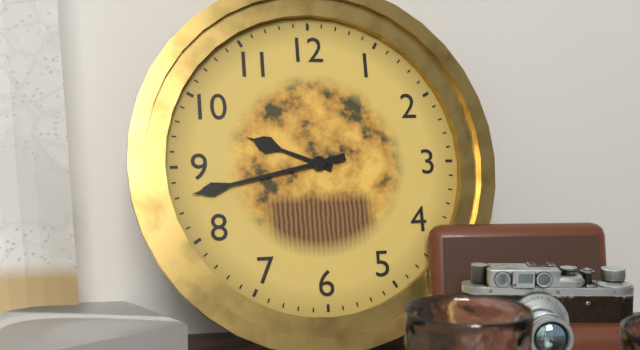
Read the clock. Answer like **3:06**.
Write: **9:43**
